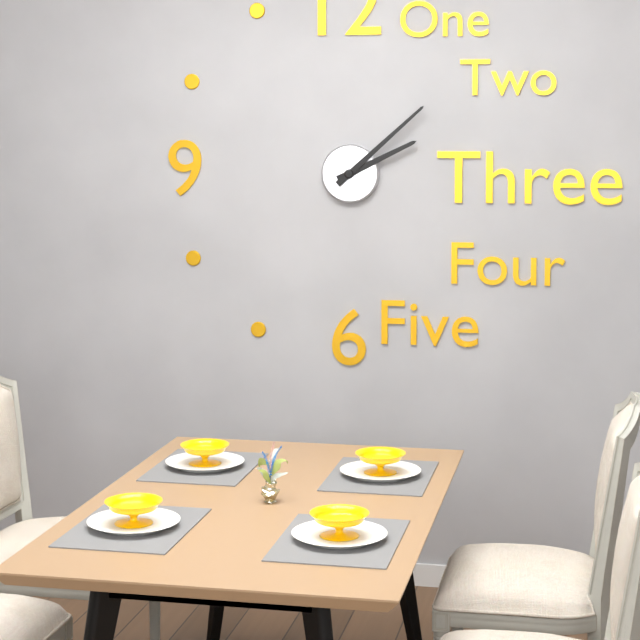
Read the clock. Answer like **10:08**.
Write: **2:08**
